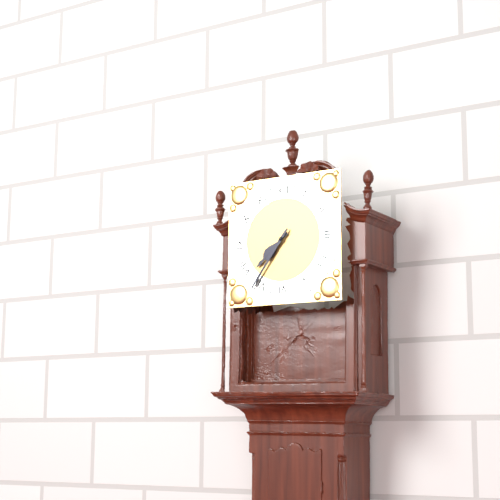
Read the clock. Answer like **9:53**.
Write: **7:36**
